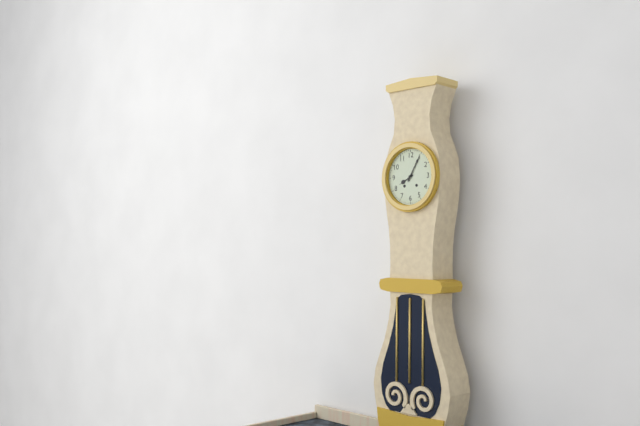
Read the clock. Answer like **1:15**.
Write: **8:05**
